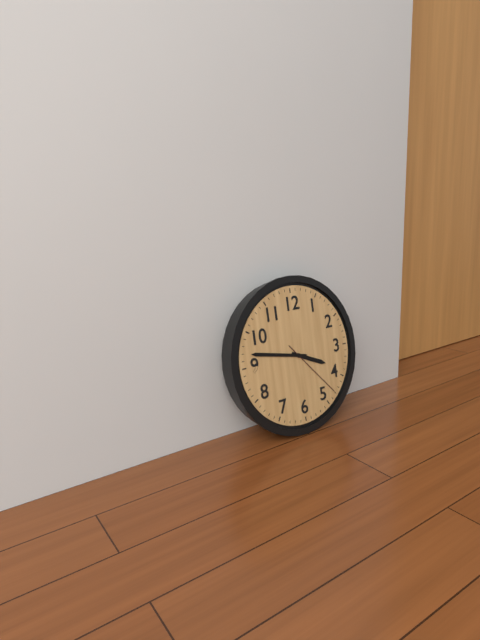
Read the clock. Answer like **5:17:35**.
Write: **3:47:23**
